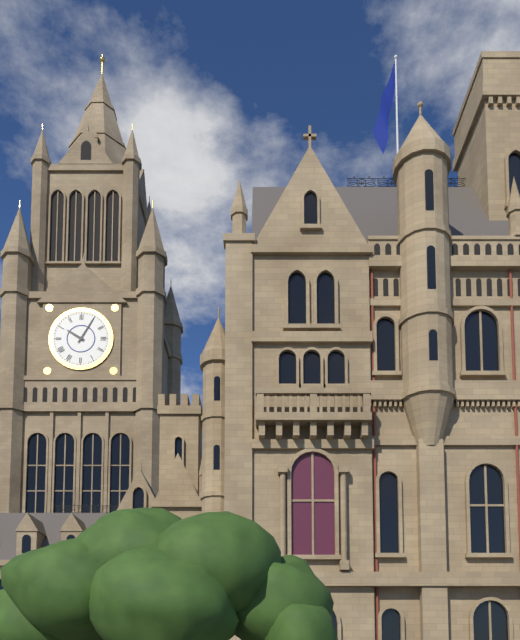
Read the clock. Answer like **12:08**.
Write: **10:05**
